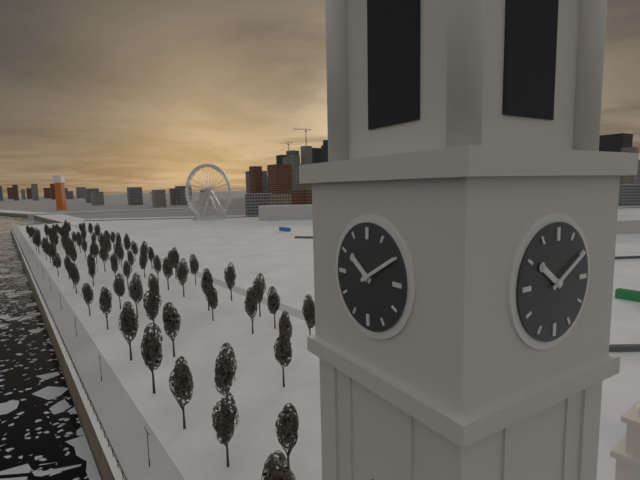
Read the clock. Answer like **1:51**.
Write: **10:10**
